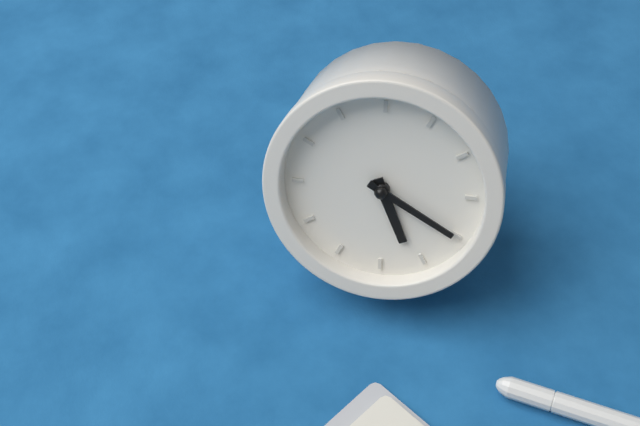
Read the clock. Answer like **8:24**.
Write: **4:15**
